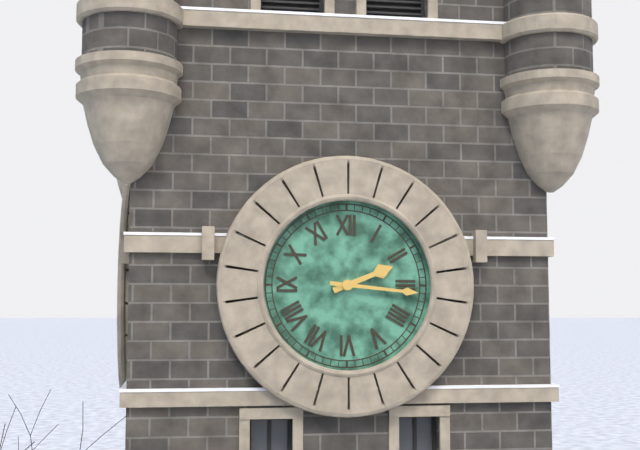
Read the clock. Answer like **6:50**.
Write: **2:16**
